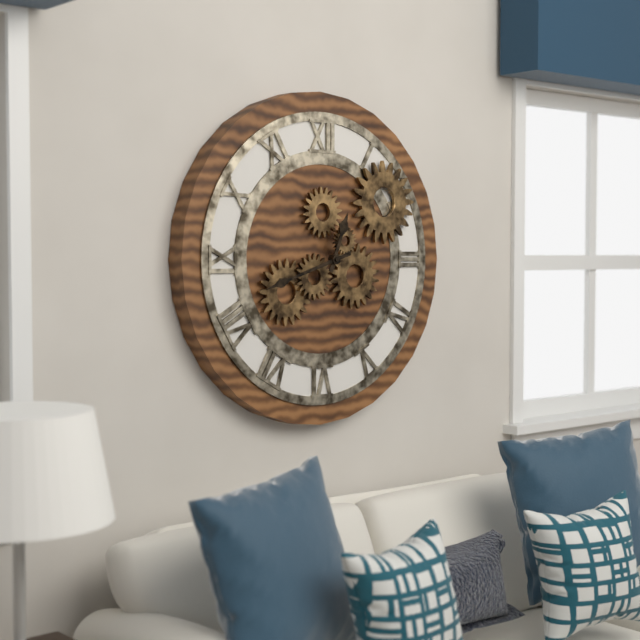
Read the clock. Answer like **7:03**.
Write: **12:42**
